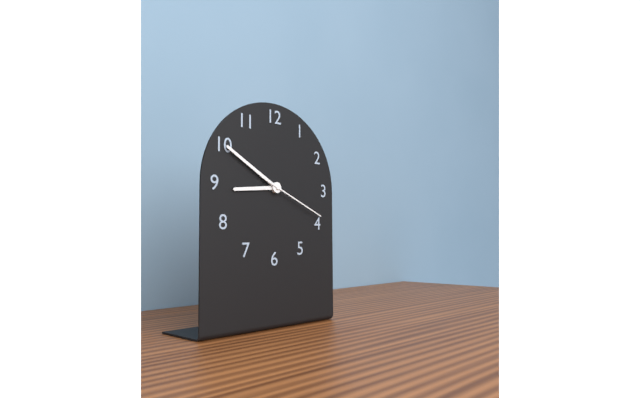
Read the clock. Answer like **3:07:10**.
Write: **8:50:19**
